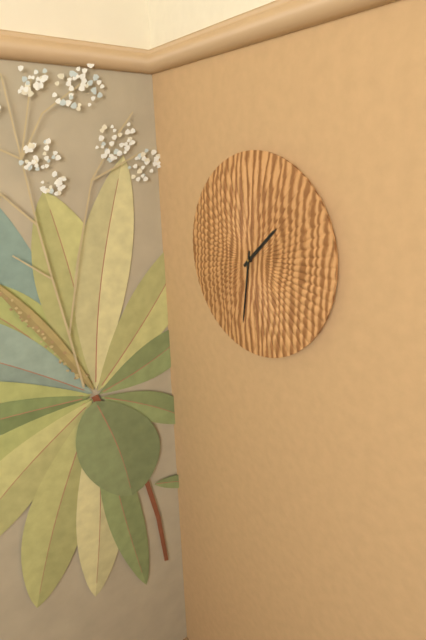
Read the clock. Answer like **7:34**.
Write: **1:31**
